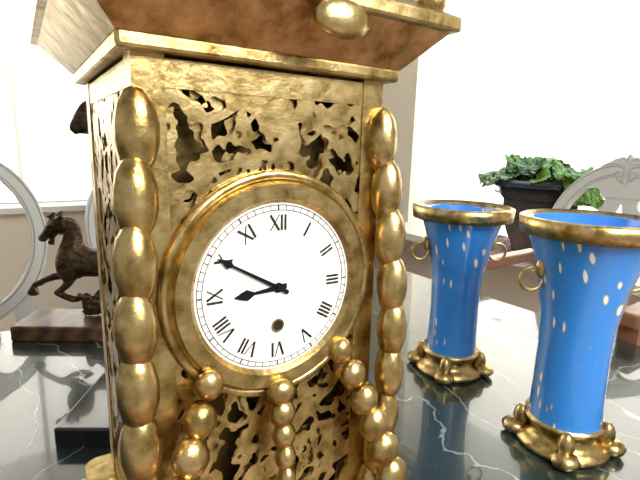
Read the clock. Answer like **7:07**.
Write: **8:50**
